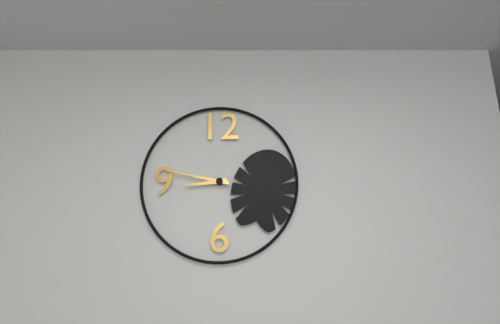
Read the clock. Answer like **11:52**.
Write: **8:47**
